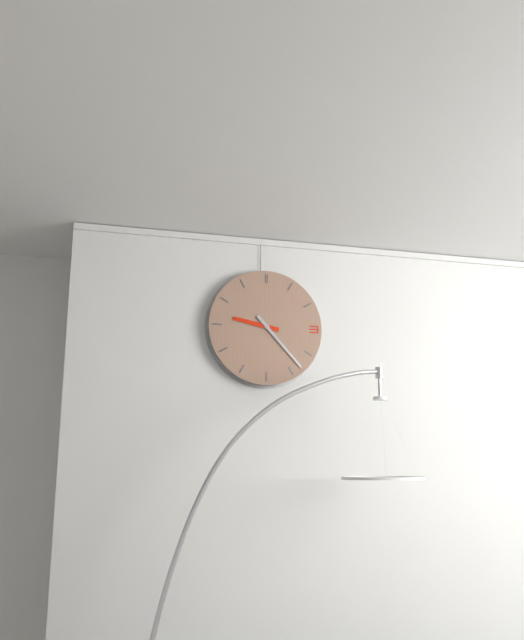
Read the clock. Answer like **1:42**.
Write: **9:23**
